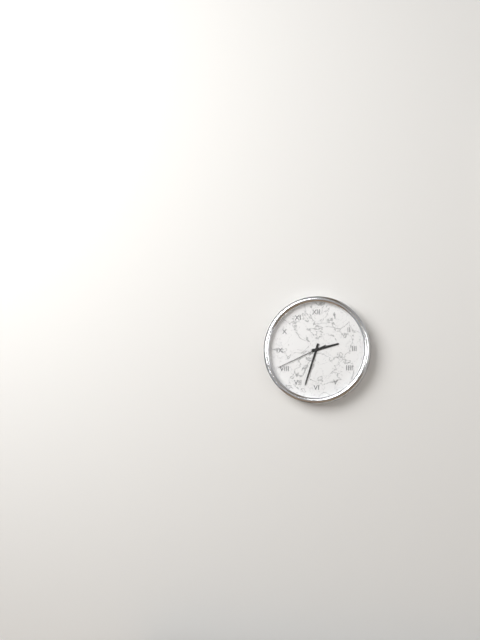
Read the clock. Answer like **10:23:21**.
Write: **2:33:41**
